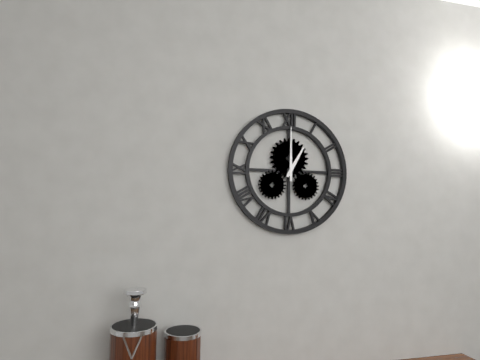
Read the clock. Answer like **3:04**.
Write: **1:00**
